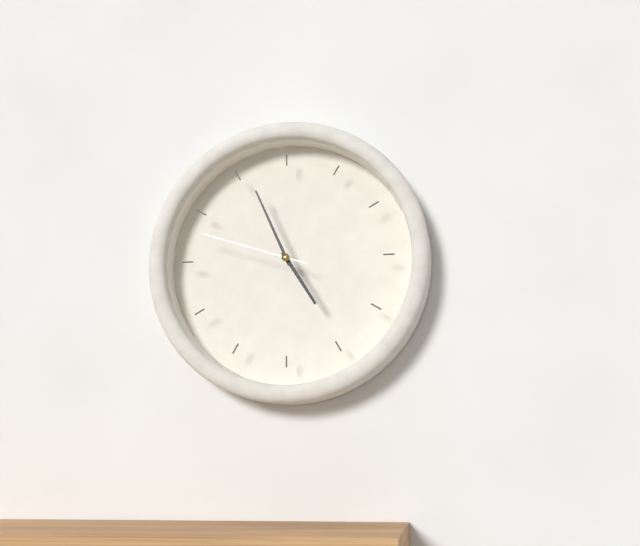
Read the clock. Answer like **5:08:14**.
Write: **4:56:48**
